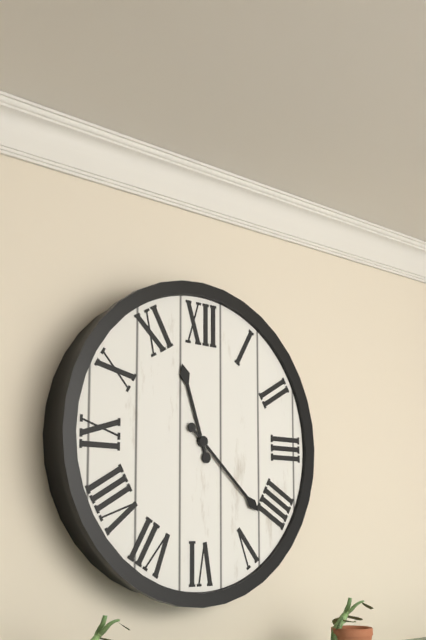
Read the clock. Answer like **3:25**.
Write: **11:22**
